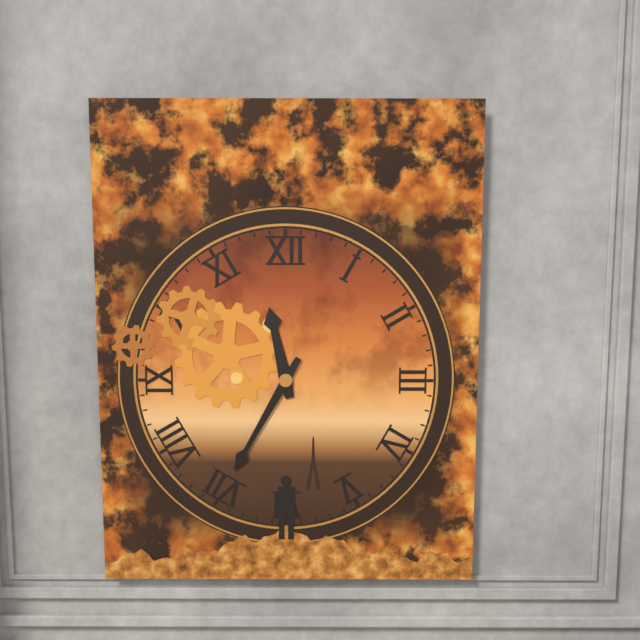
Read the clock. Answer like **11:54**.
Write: **11:35**
